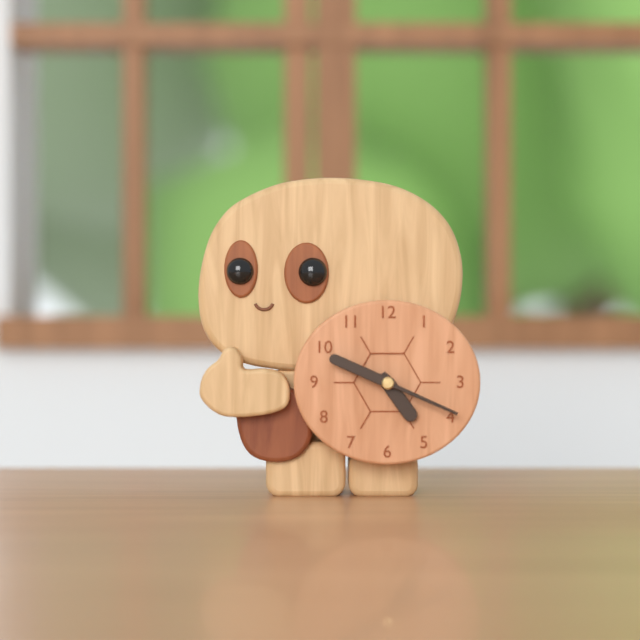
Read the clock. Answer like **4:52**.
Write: **4:49**
